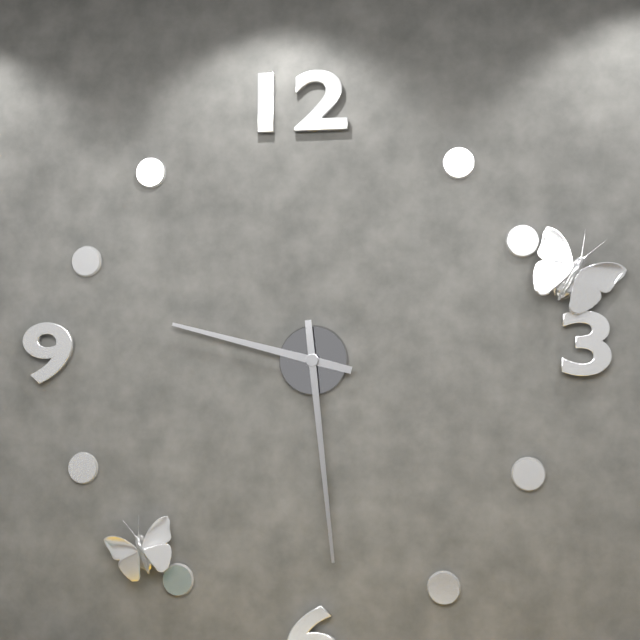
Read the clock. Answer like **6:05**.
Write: **9:29**
